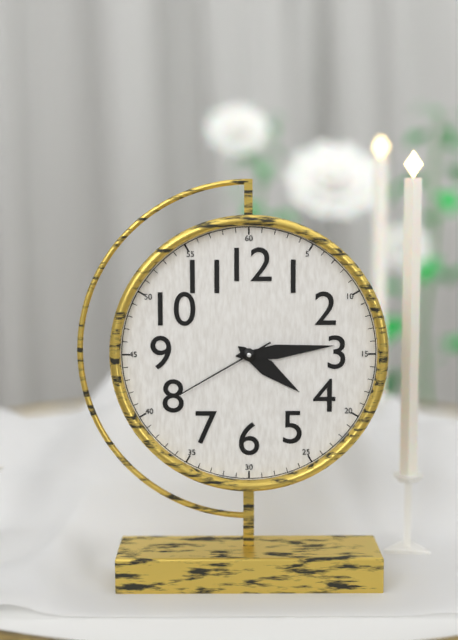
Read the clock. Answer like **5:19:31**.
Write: **4:14:40**
